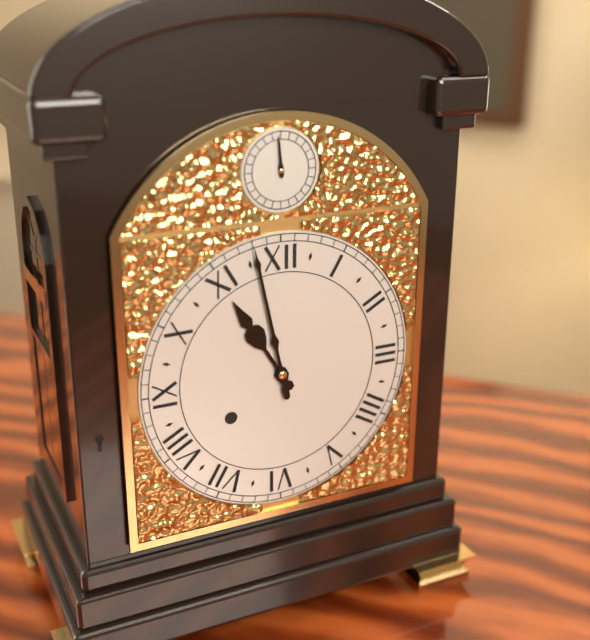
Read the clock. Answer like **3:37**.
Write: **10:58**
